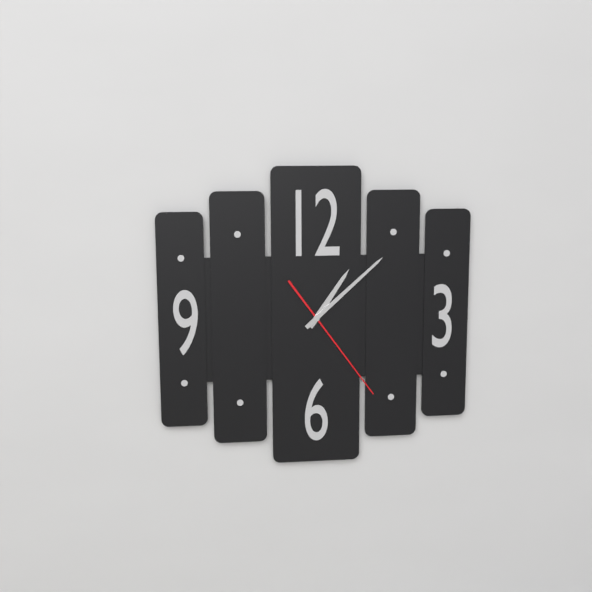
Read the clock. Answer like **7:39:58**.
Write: **1:08:24**
